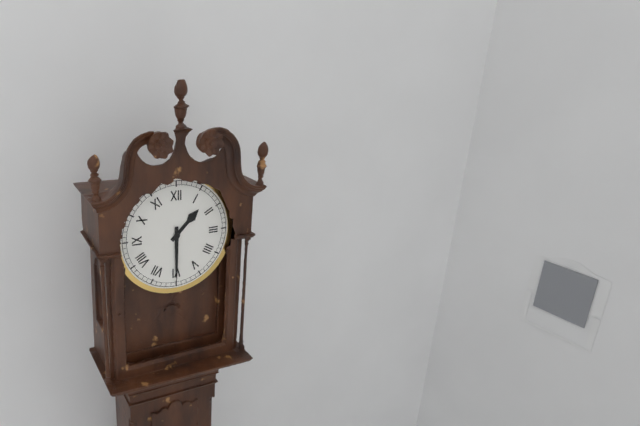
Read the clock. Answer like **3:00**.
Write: **1:30**
